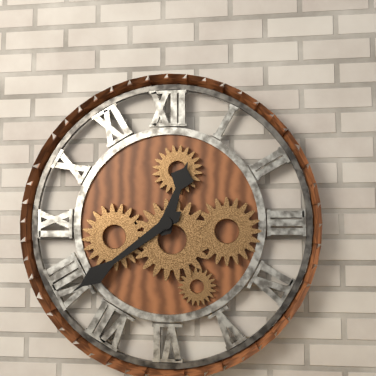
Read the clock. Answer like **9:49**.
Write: **12:39**
